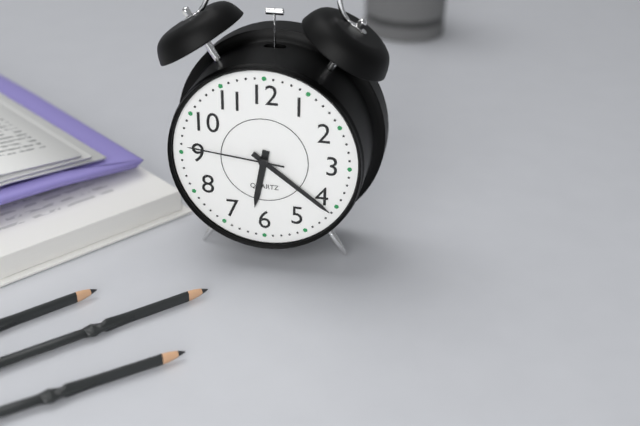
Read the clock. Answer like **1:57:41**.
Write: **6:21:46**
